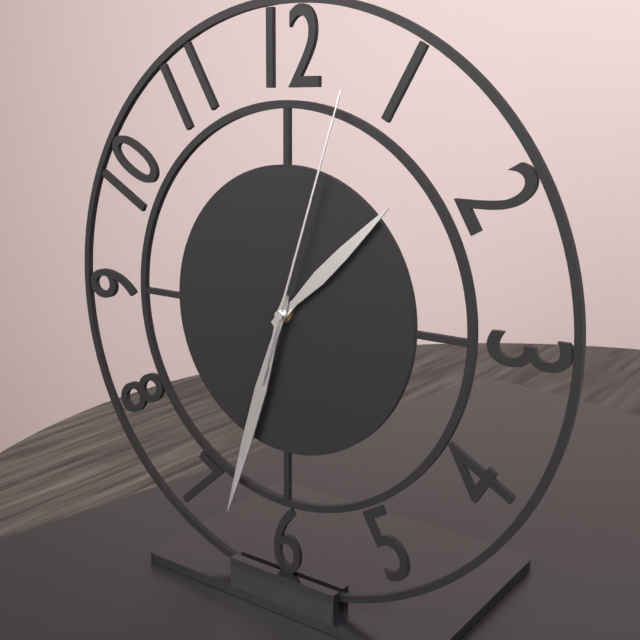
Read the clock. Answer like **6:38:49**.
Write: **1:33:03**
